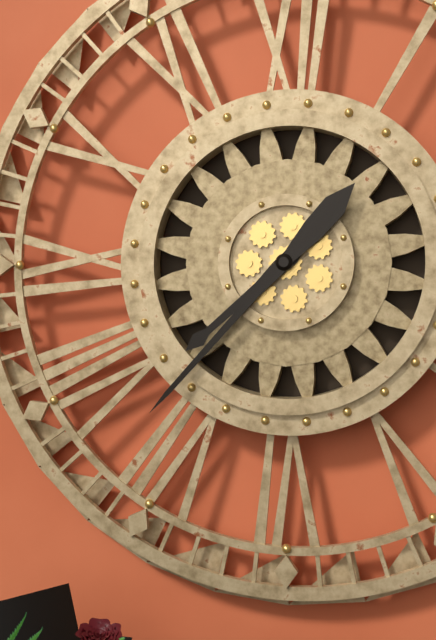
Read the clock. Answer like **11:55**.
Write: **7:37**
